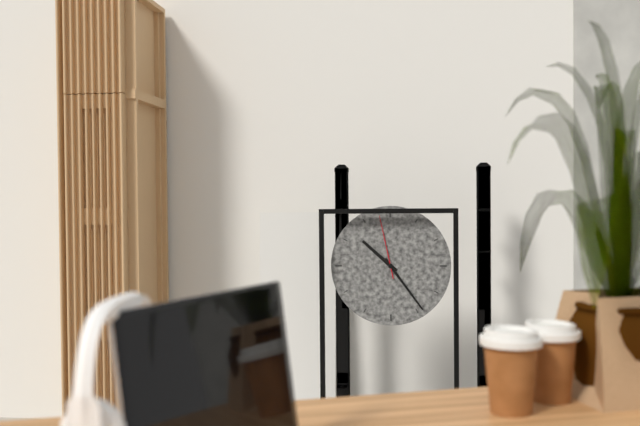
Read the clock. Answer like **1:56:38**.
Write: **10:24:58**
